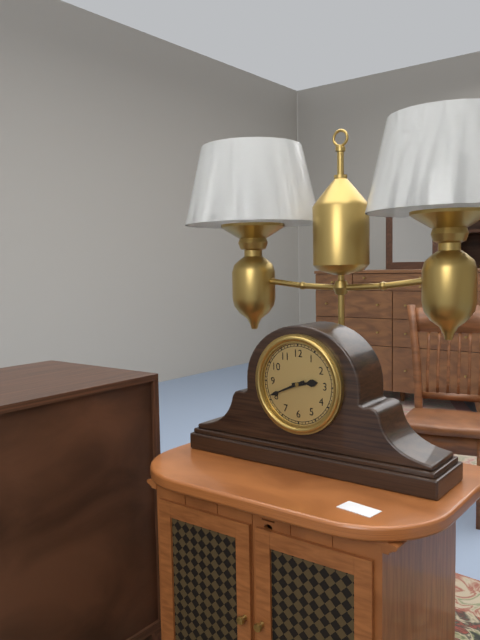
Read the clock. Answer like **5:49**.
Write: **2:41**
